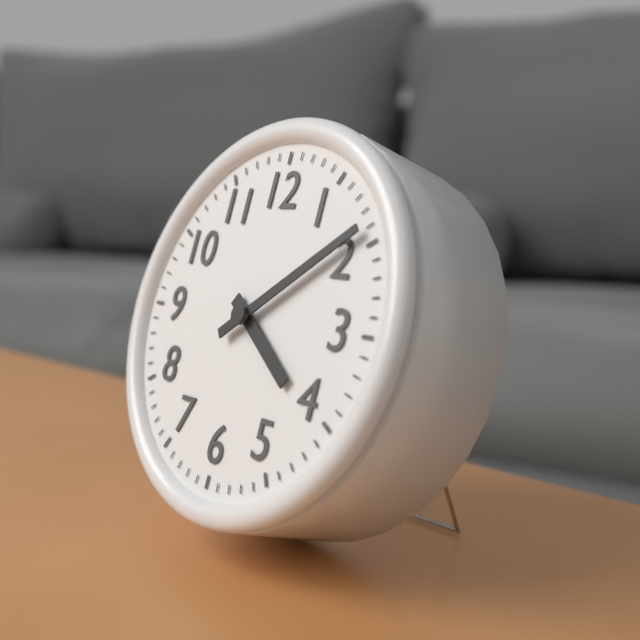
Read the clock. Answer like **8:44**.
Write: **4:09**
